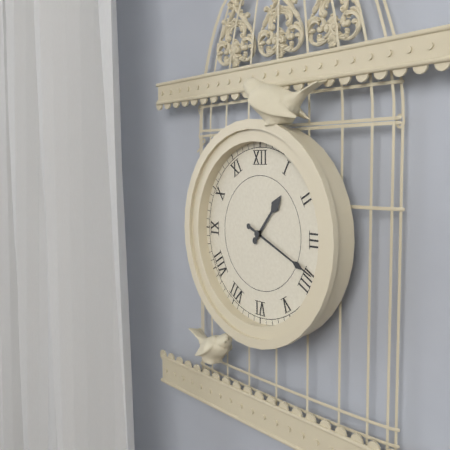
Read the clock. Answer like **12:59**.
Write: **1:19**
